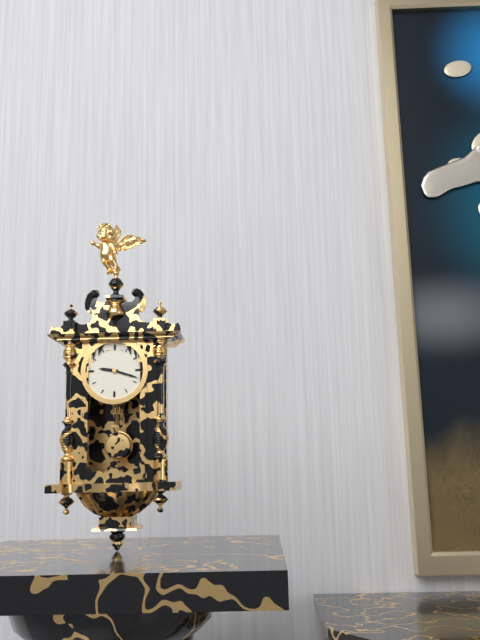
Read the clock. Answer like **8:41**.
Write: **9:18**
